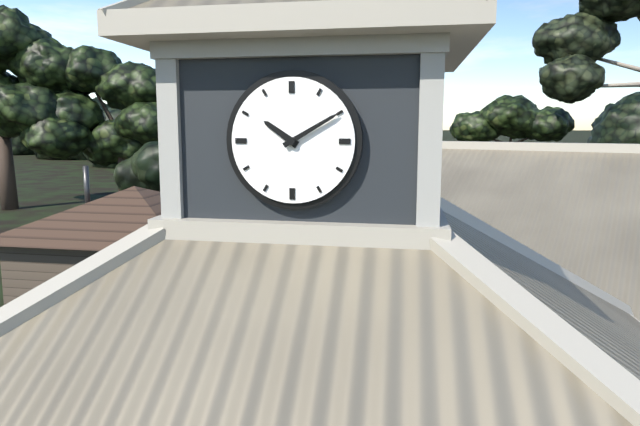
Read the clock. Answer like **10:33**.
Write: **10:10**
